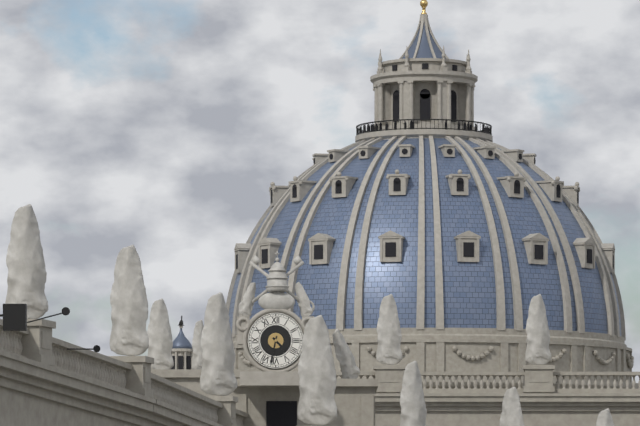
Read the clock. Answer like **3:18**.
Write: **4:32**
